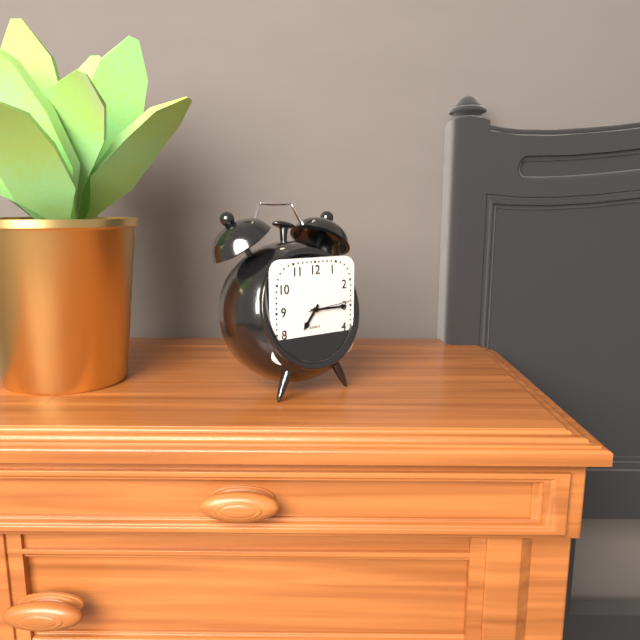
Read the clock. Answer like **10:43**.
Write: **7:15**
